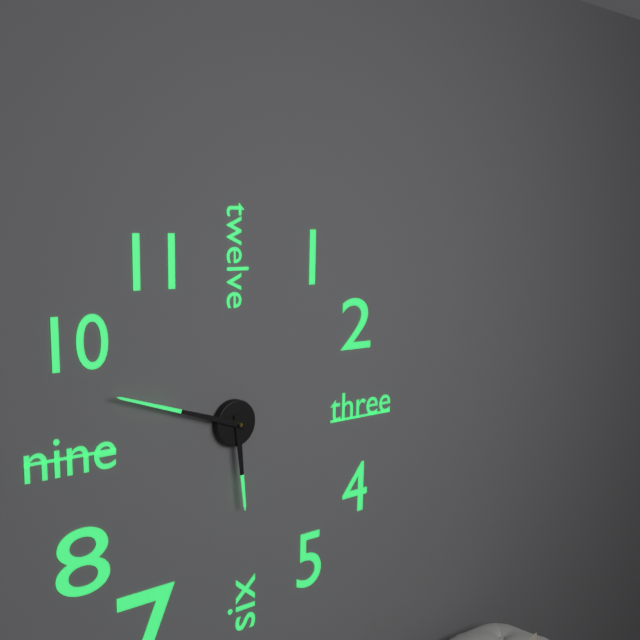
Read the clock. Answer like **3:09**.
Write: **5:48**
